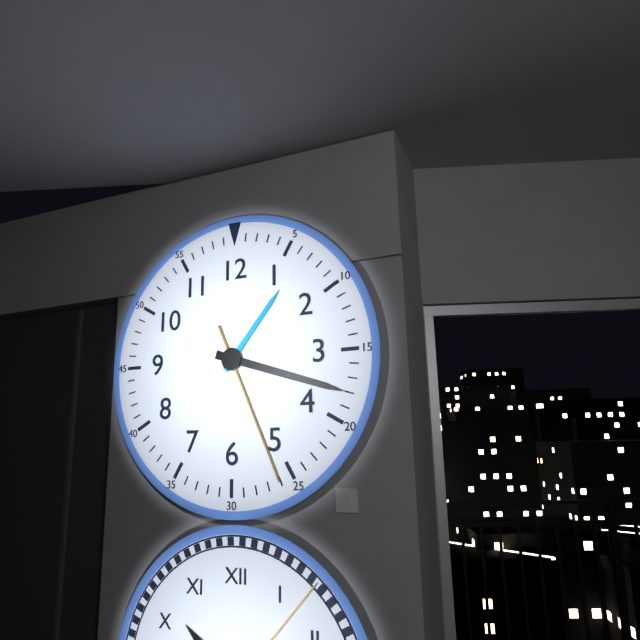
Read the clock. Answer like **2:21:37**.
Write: **1:18:26**
